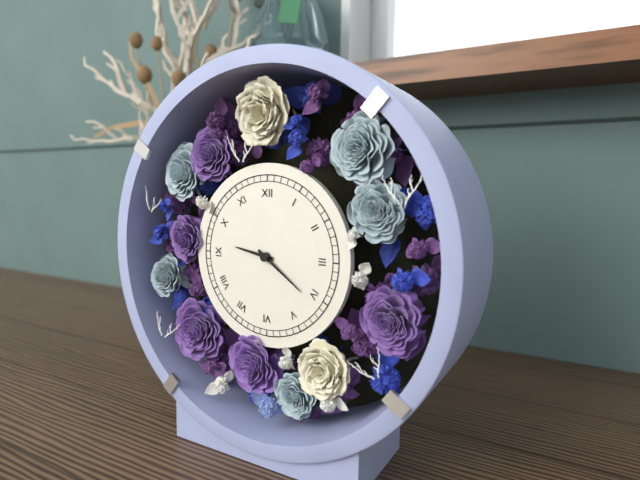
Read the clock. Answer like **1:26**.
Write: **9:21**
